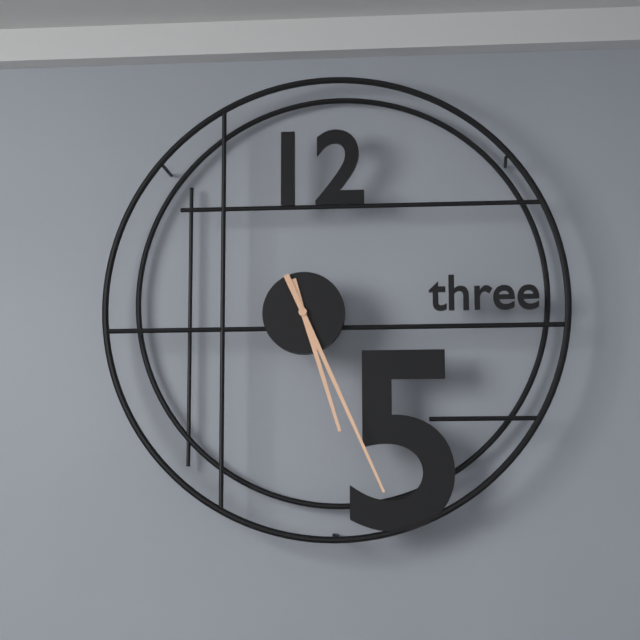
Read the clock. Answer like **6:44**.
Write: **5:26**
